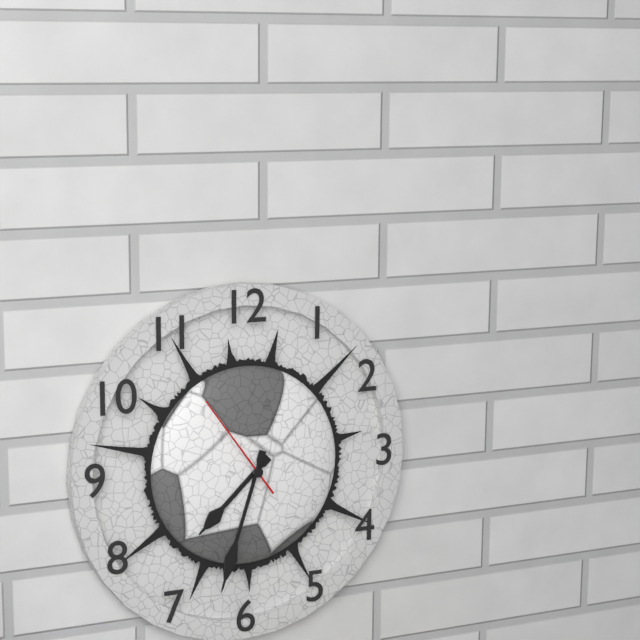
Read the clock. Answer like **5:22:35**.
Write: **7:33:54**
